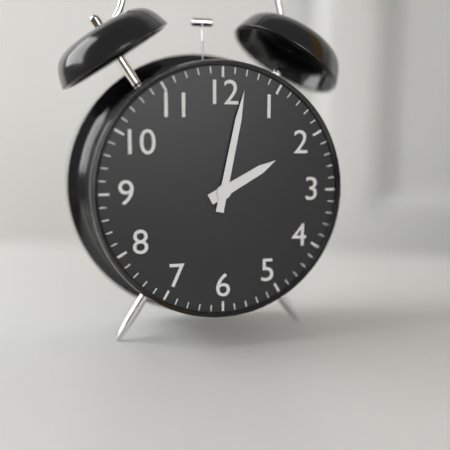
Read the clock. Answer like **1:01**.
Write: **2:02**
